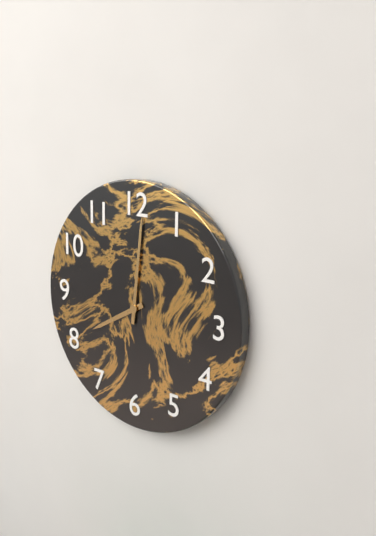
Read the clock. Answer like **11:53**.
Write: **8:01**
